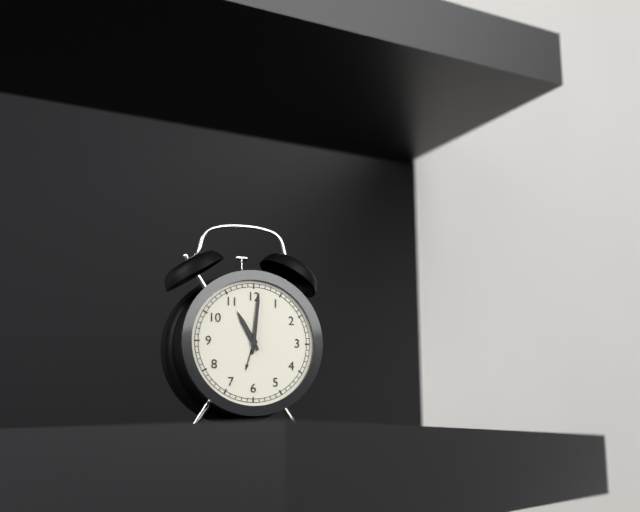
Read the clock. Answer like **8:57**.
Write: **11:01**
